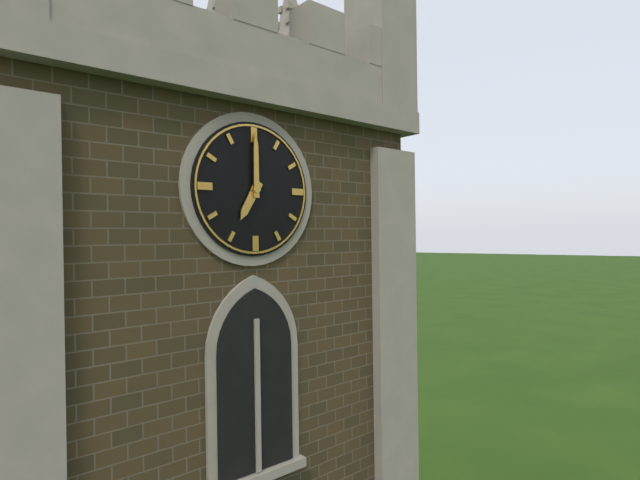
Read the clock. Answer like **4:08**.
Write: **7:00**
